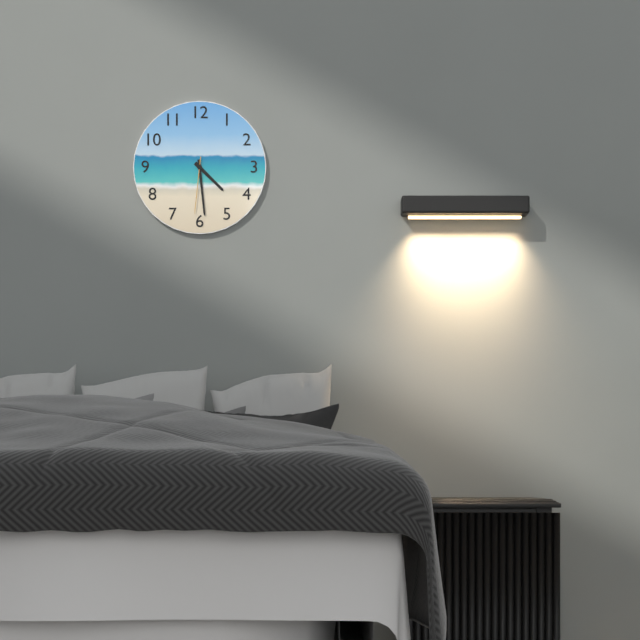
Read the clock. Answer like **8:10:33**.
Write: **4:29:31**
